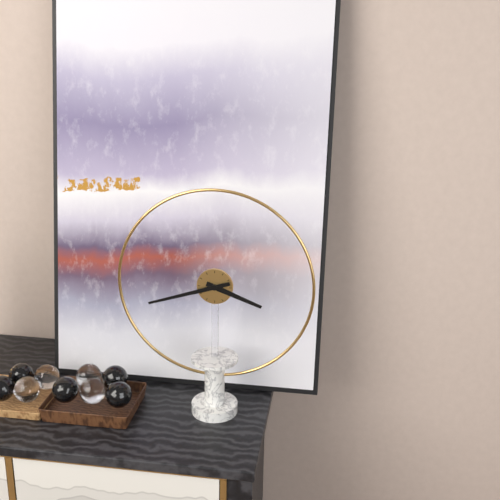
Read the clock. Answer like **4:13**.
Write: **3:42**
